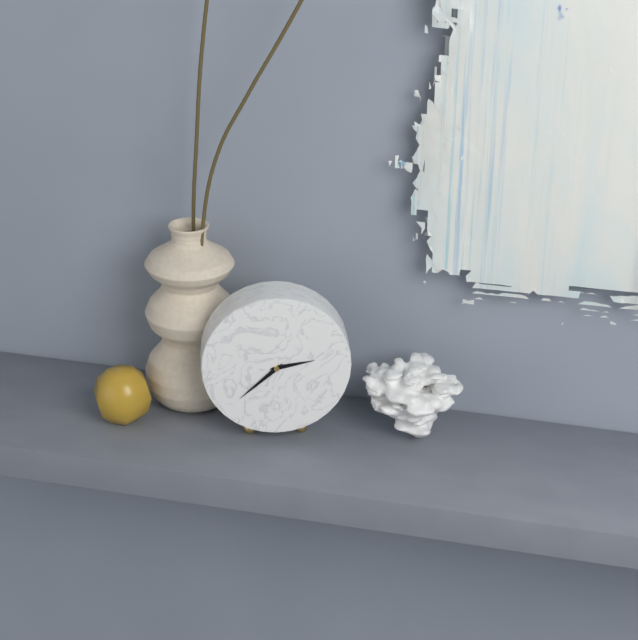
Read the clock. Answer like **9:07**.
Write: **2:38**
